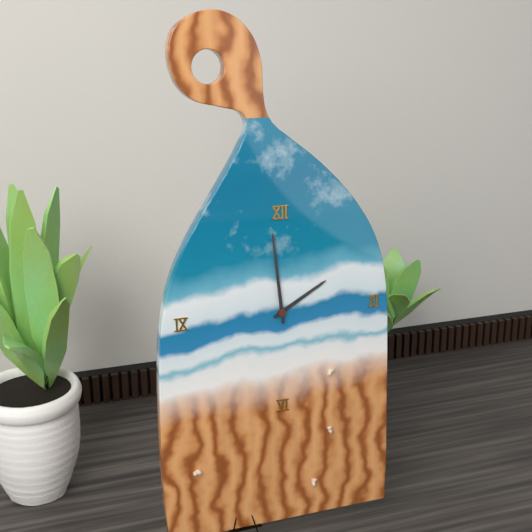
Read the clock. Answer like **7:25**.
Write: **1:59**
